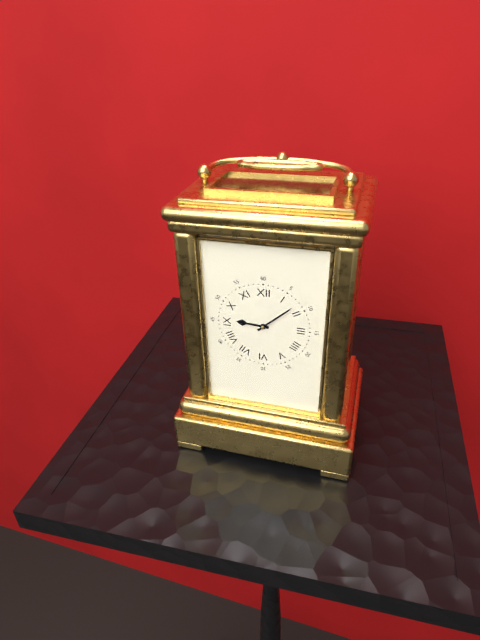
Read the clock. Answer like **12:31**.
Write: **9:08**
